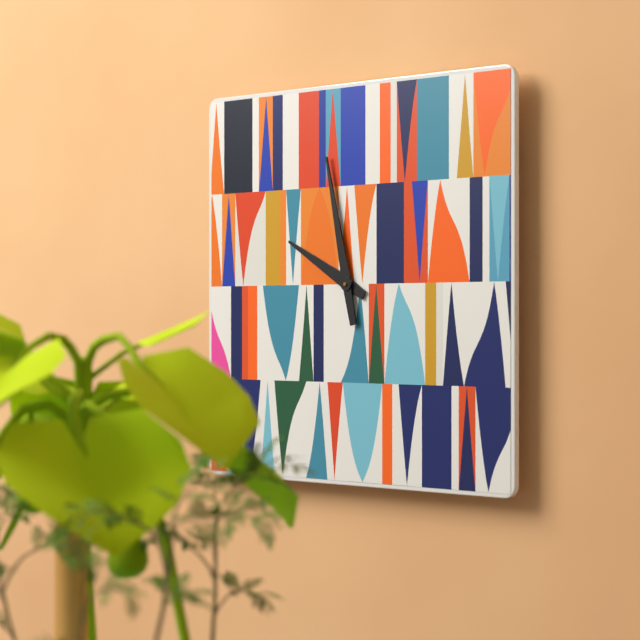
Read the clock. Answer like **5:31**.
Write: **9:58**
